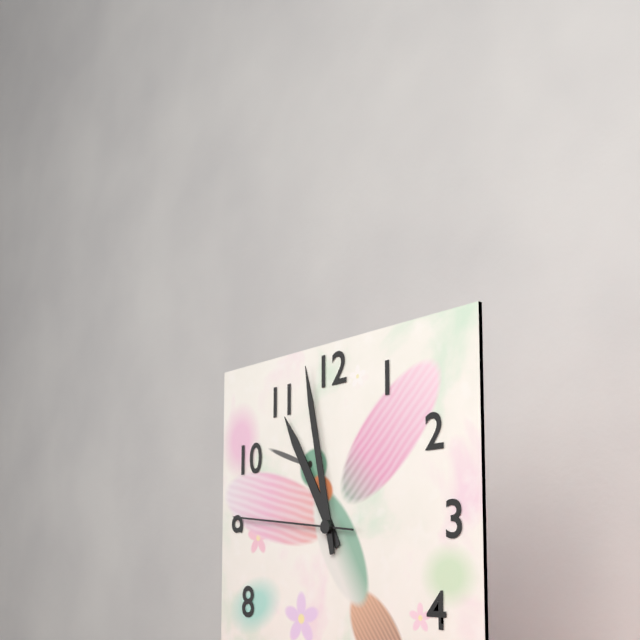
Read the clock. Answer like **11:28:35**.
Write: **10:58:46**
